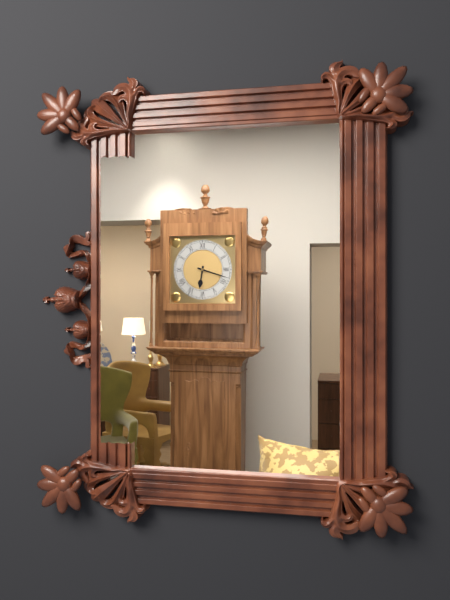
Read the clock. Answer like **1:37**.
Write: **6:18**
